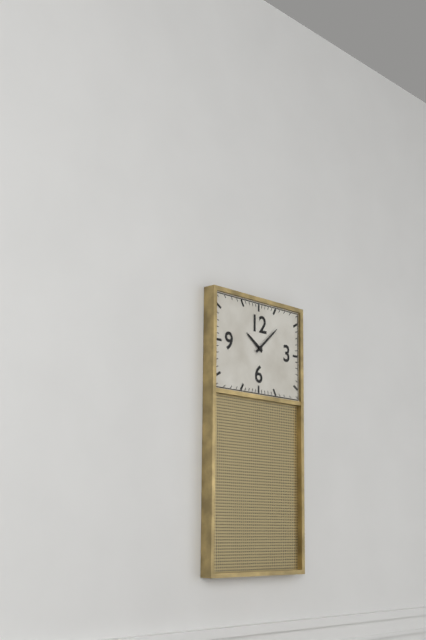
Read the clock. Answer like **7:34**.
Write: **10:08**
